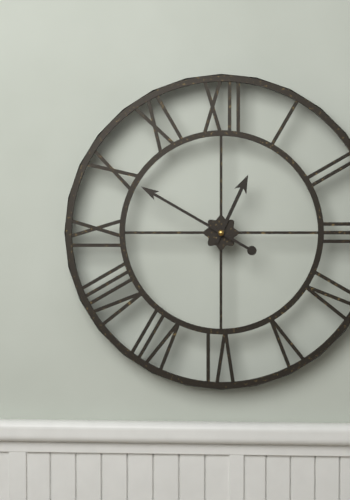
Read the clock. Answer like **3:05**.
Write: **12:50**
